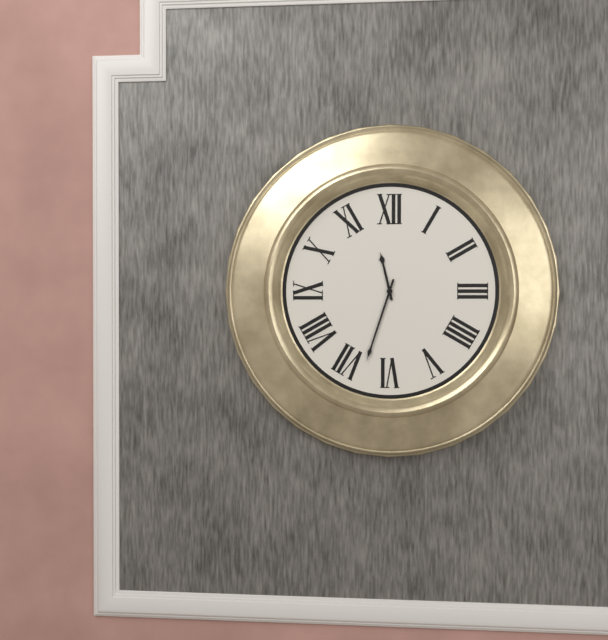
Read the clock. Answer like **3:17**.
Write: **11:33**
